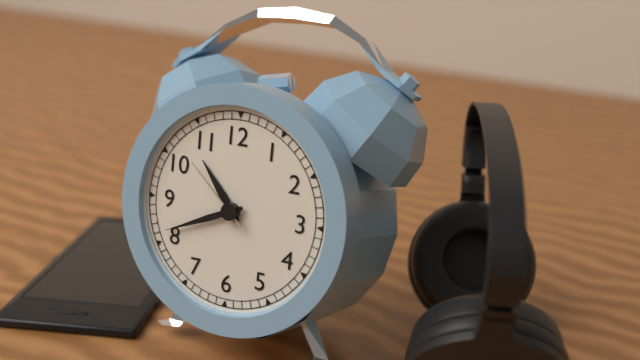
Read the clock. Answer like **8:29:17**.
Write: **10:41:52**
